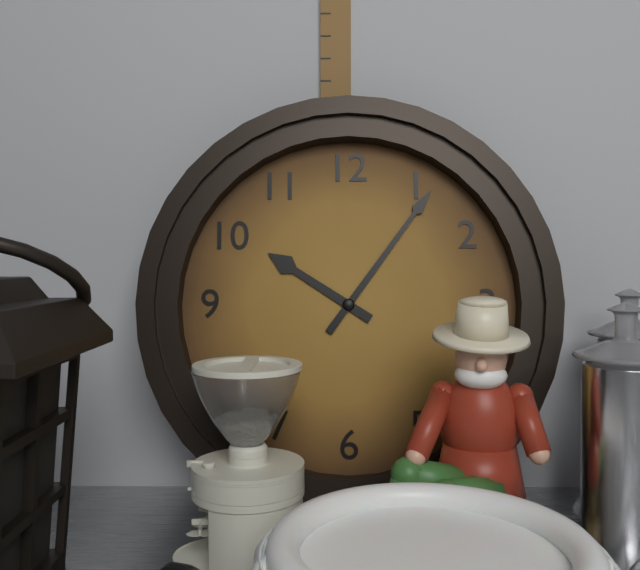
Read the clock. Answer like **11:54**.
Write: **10:06**
